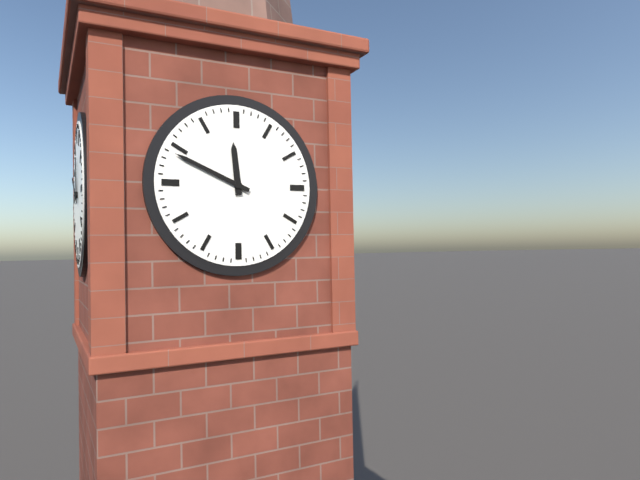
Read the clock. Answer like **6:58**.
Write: **11:49**
